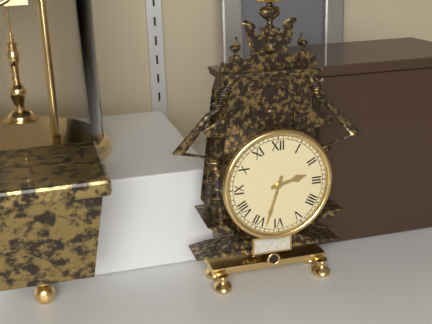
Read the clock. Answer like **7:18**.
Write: **2:33**
